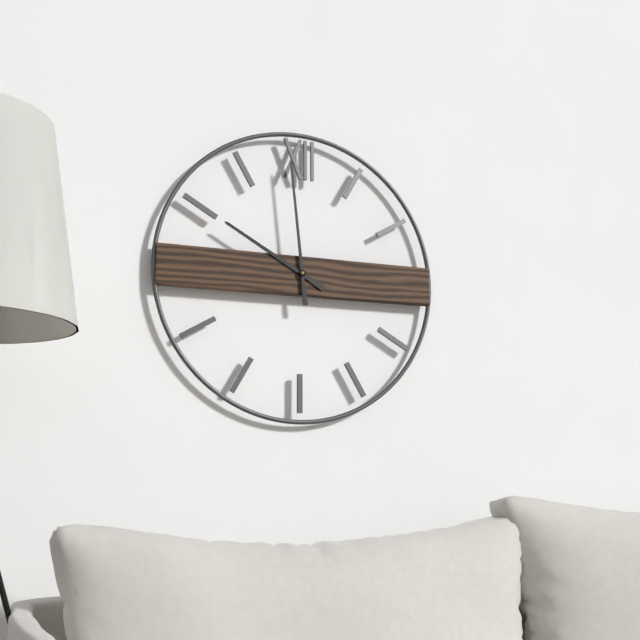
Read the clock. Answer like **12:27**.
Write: **9:59**
